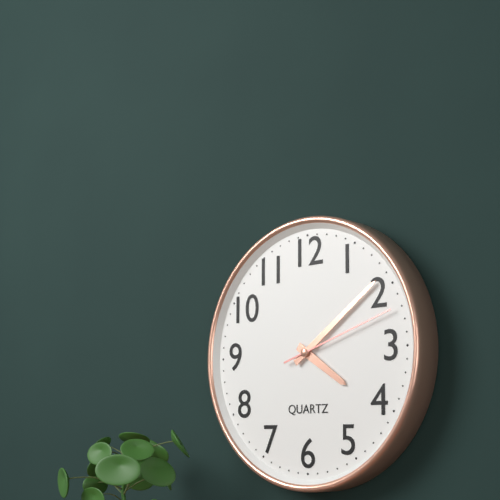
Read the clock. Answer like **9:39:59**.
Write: **4:09:12**
